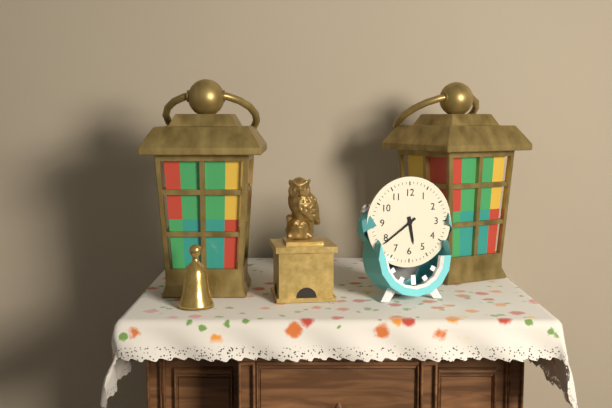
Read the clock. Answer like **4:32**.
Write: **5:39**
